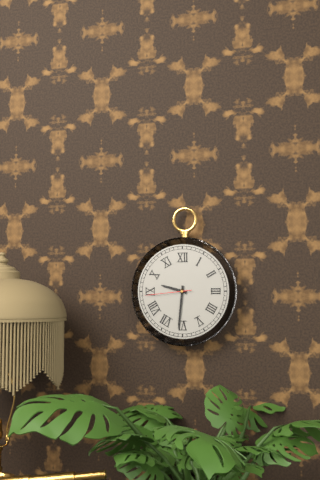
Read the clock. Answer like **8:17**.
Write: **9:31**
